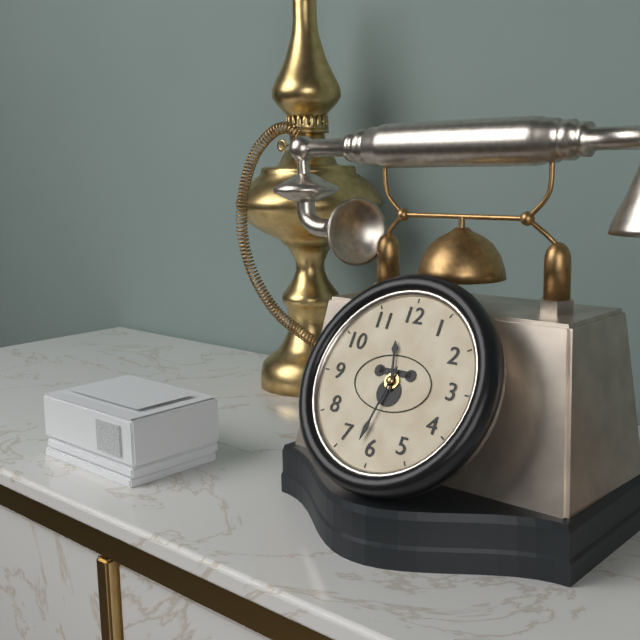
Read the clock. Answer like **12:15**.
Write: **11:32**
